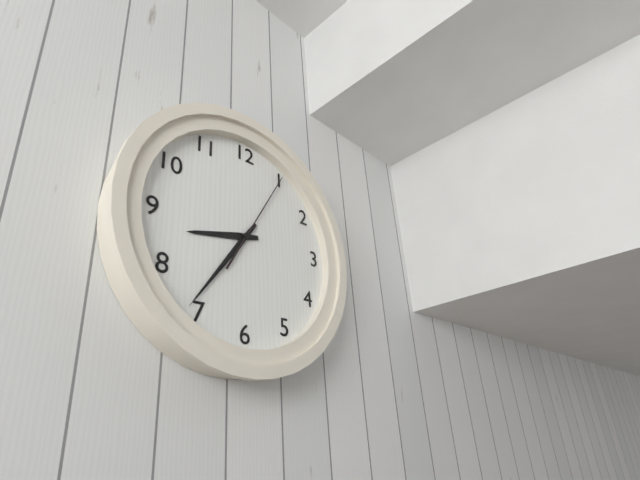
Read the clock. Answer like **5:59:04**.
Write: **8:36:05**
